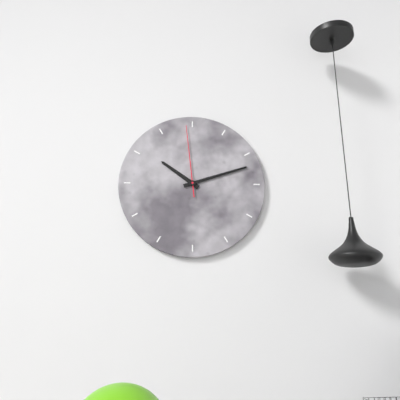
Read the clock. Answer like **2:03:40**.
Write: **10:12:59**
